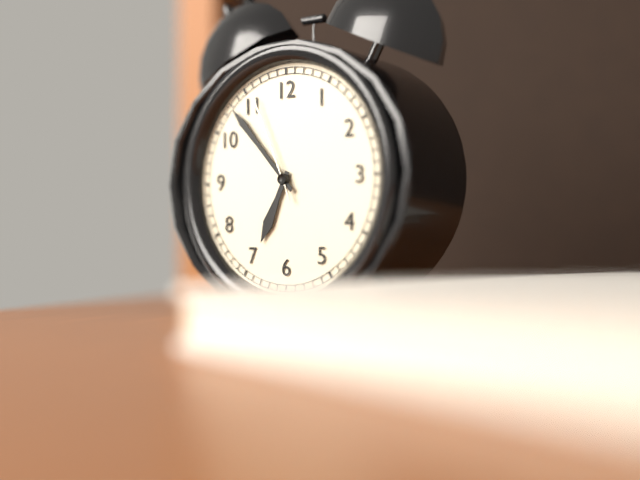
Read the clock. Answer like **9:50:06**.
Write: **6:53:56**
